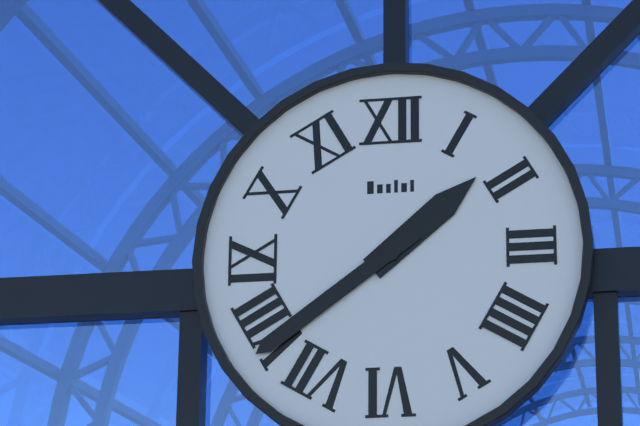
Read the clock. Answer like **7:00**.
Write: **1:39**
